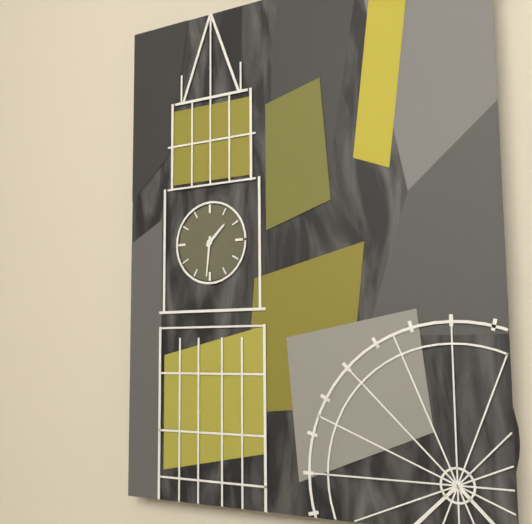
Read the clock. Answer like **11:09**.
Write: **1:31**
